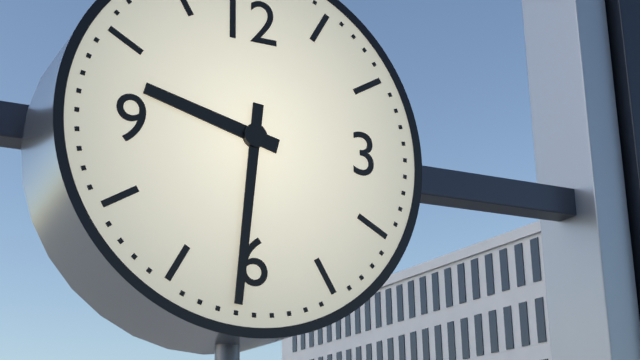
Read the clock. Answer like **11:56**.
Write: **9:31**
